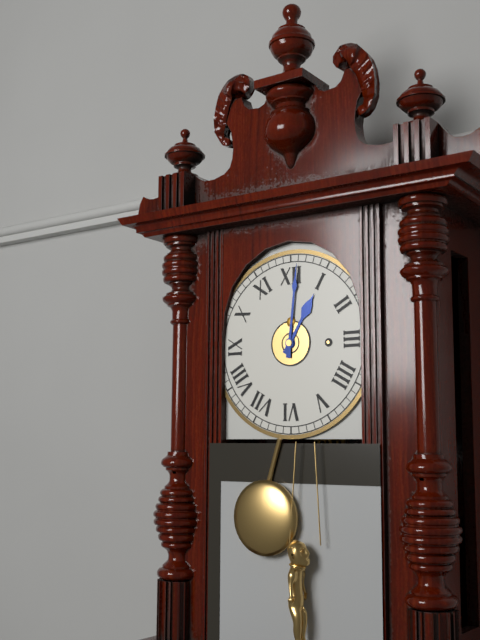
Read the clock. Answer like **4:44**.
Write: **1:01**
